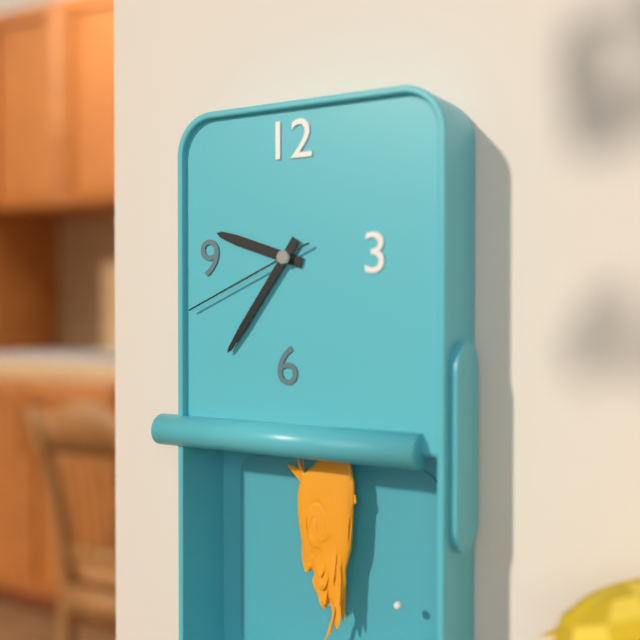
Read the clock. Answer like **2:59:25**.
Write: **9:36:41**
